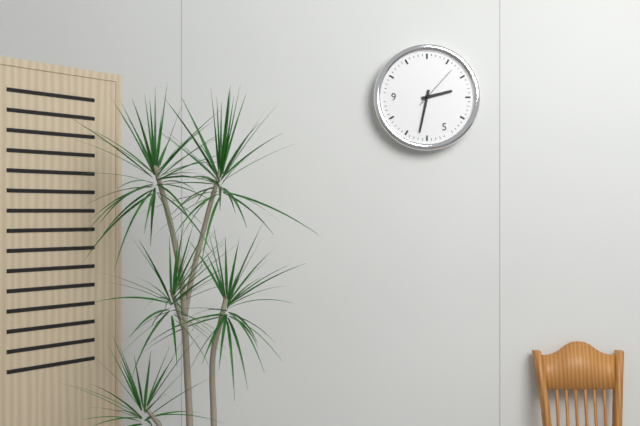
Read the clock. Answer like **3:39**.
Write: **2:32**
